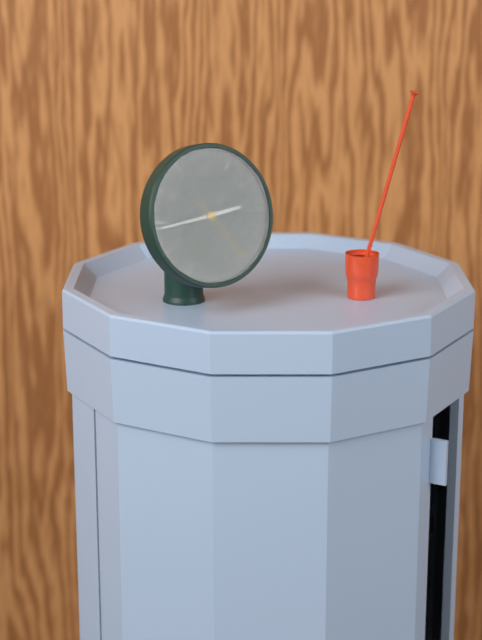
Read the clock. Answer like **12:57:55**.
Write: **2:44:24**
